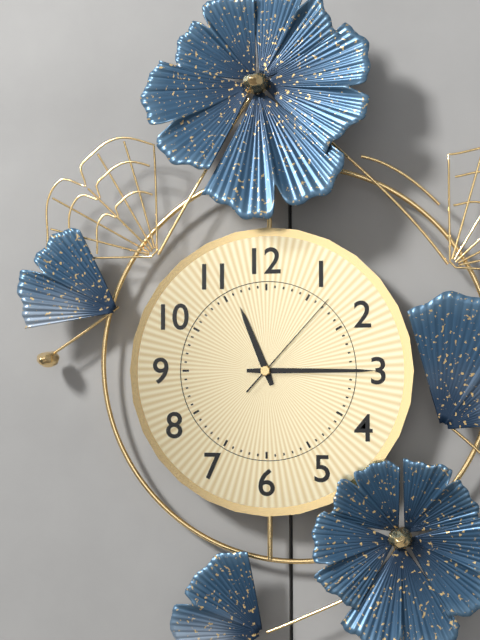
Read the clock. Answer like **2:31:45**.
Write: **11:15:07**
